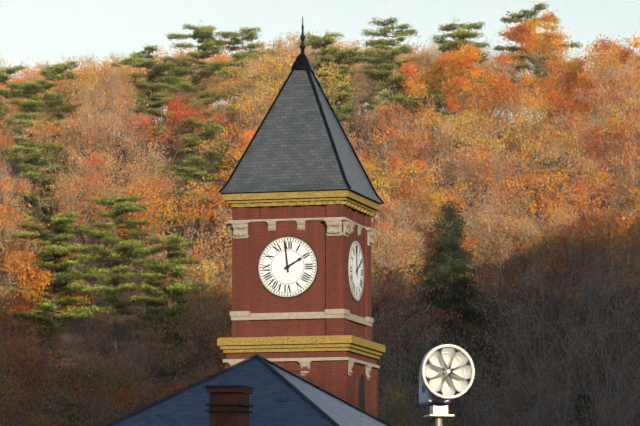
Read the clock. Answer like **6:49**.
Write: **1:59**
